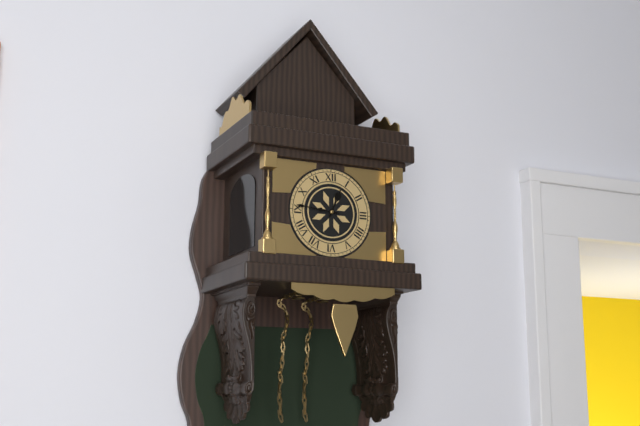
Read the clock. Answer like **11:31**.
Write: **12:46**
